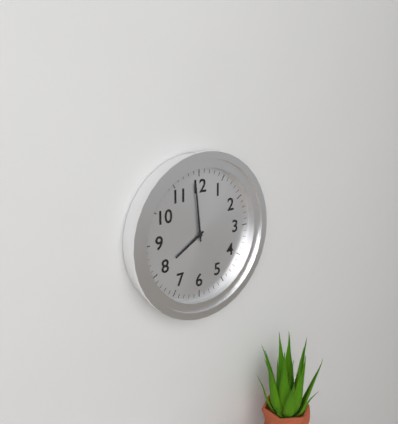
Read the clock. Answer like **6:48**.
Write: **7:59**
